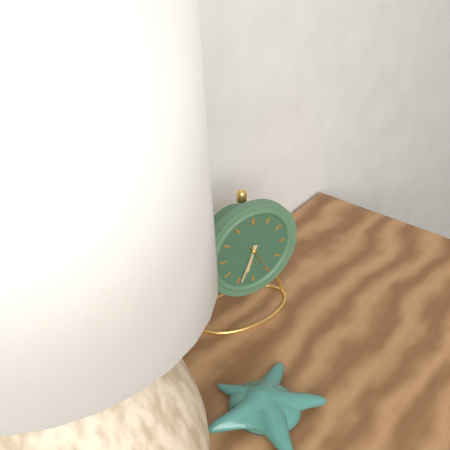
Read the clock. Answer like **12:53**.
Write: **6:34**
